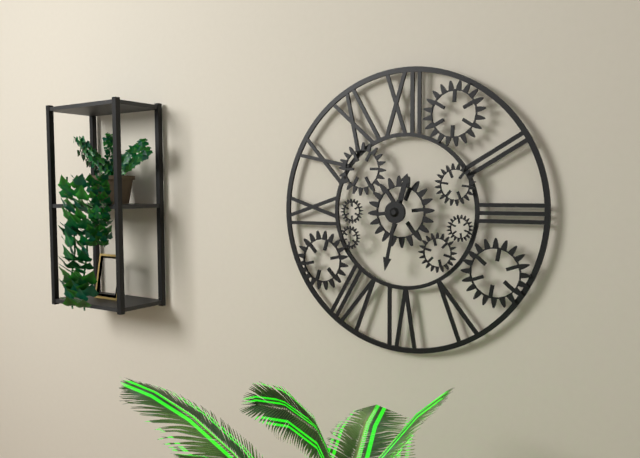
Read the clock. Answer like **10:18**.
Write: **12:32**
